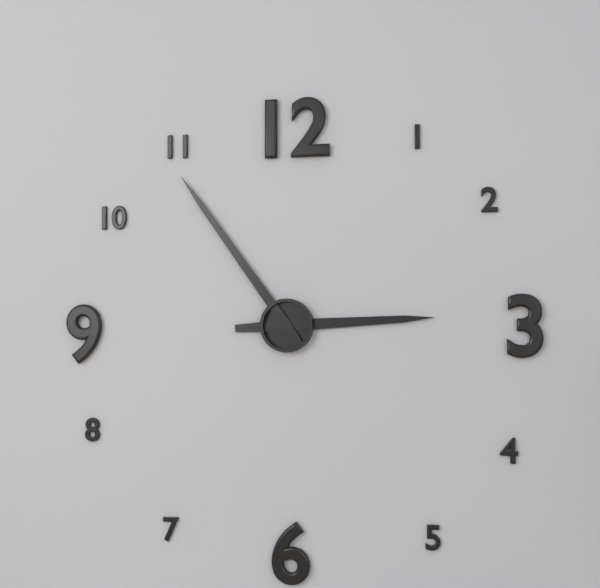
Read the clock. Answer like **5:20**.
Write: **2:54**
